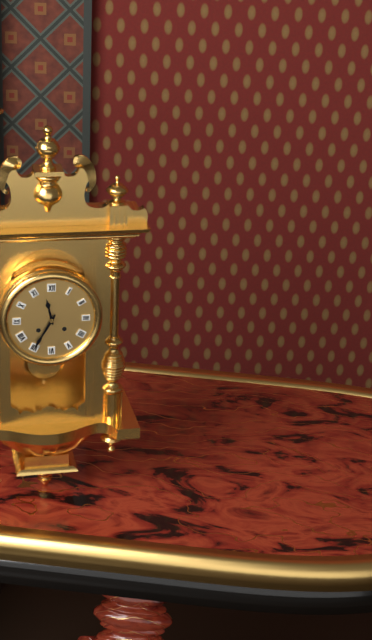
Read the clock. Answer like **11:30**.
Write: **11:35**
